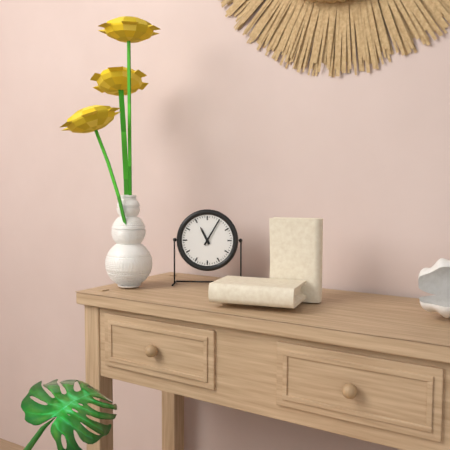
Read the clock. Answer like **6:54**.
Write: **11:05**
